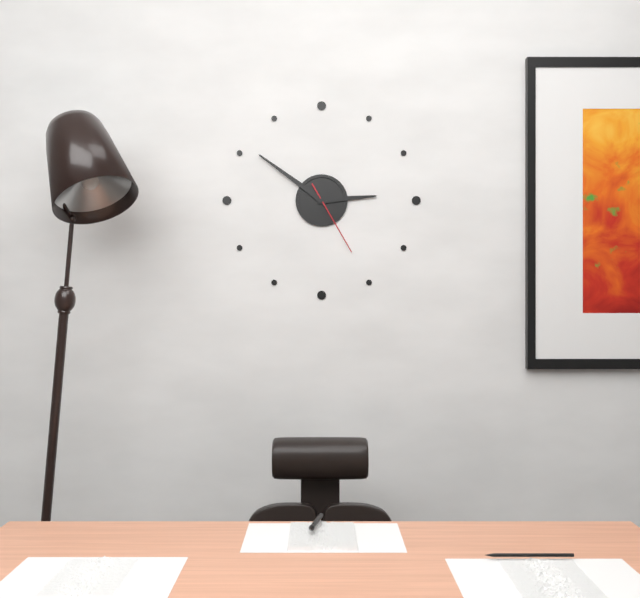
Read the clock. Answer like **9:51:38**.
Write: **2:51:25**
